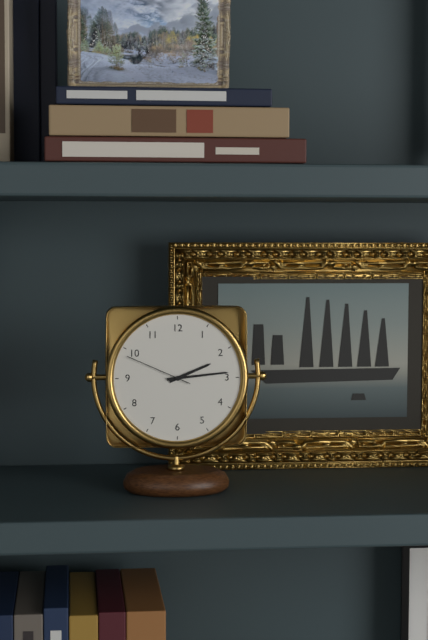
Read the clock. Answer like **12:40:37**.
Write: **2:14:49**
